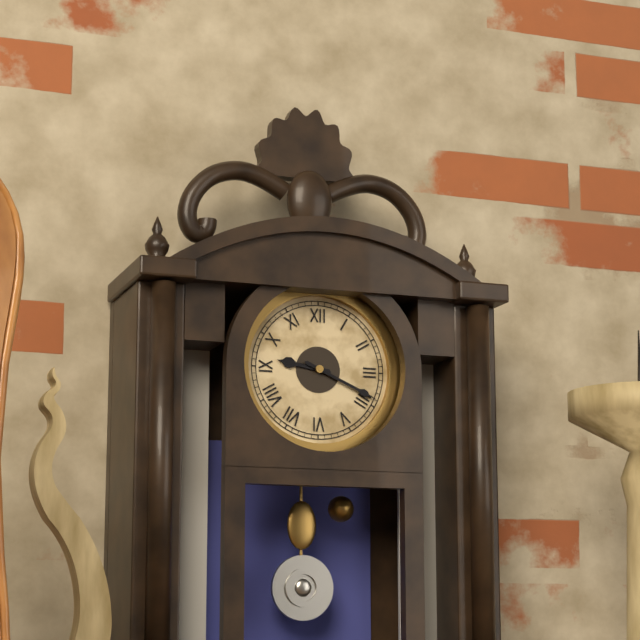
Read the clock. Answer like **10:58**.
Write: **9:19**
